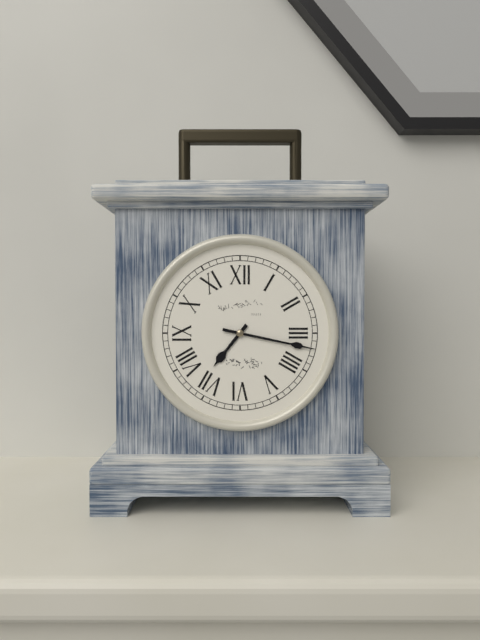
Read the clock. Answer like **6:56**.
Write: **7:17**
